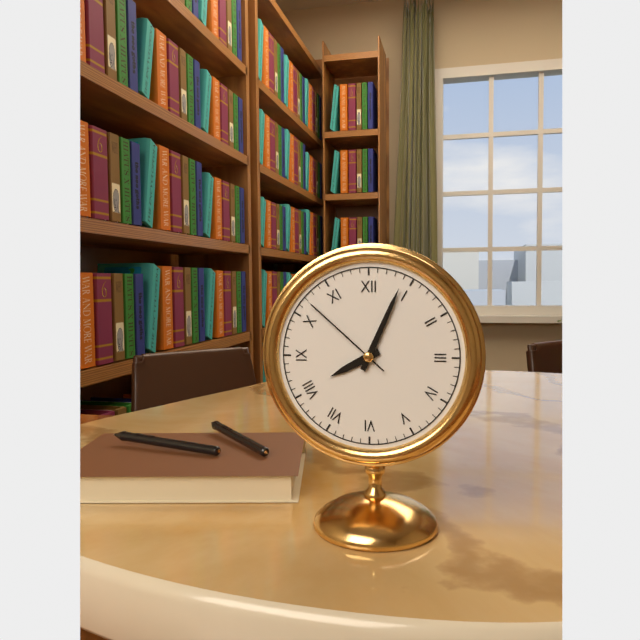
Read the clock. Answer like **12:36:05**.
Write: **8:04:52**
